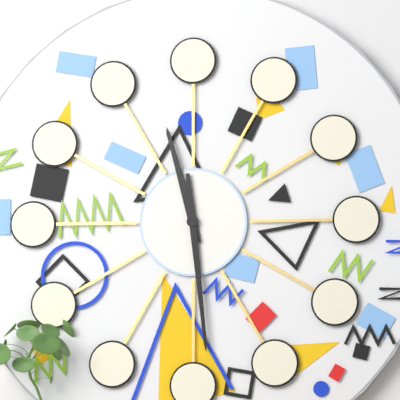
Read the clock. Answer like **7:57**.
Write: **11:29**
